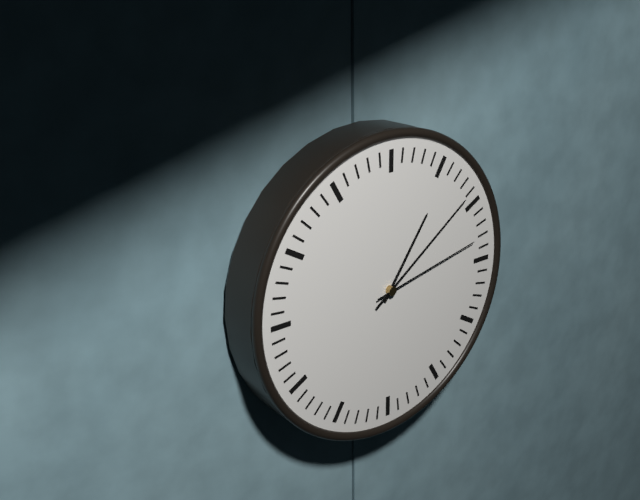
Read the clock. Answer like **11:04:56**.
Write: **1:09:13**
